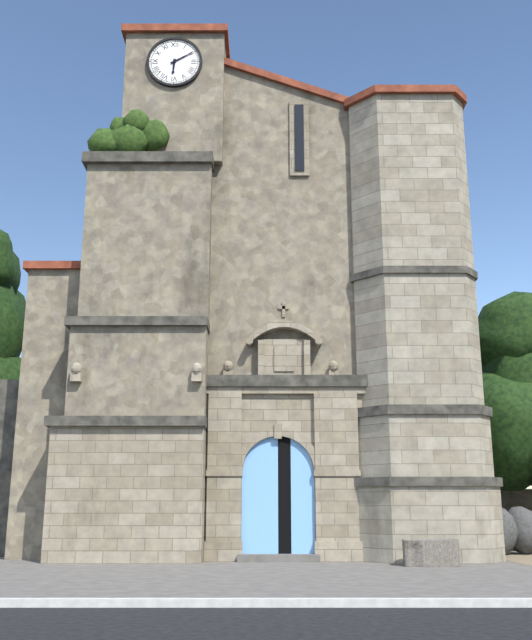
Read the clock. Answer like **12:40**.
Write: **6:10**
